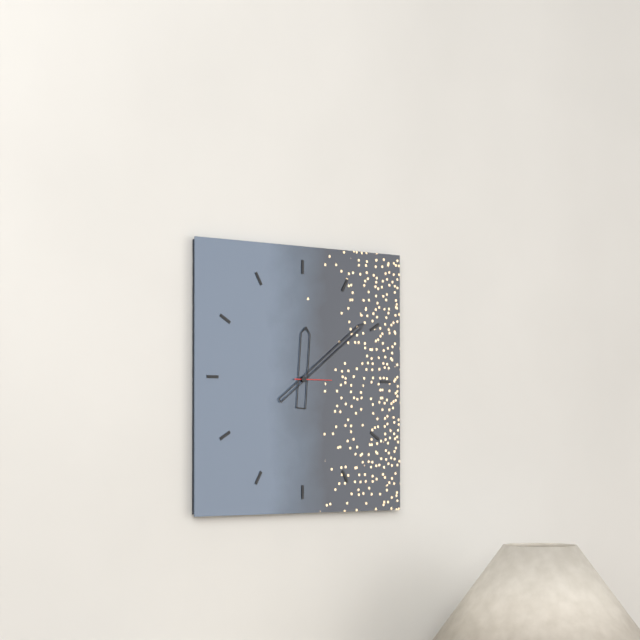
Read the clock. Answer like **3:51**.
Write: **12:09**
